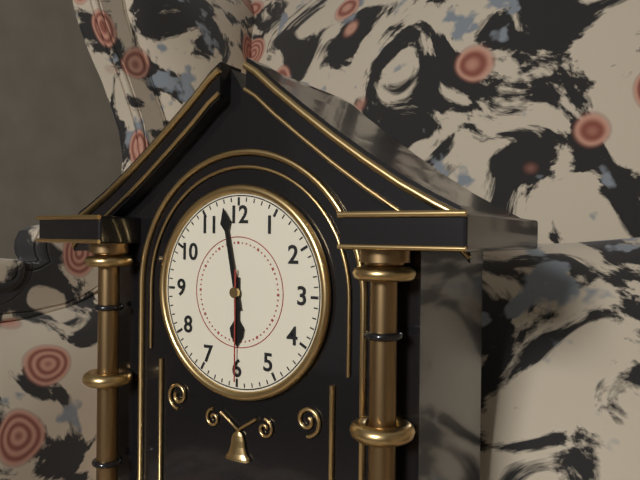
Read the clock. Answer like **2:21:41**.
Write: **5:58:30**
